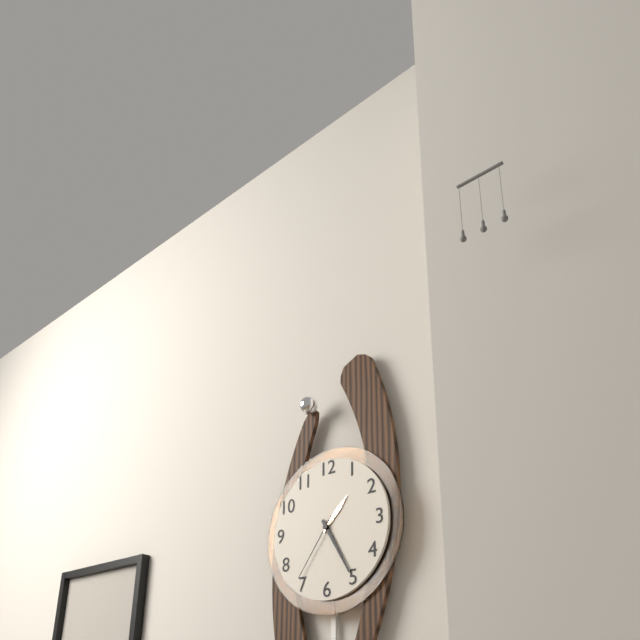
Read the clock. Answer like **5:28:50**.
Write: **1:25:36**
